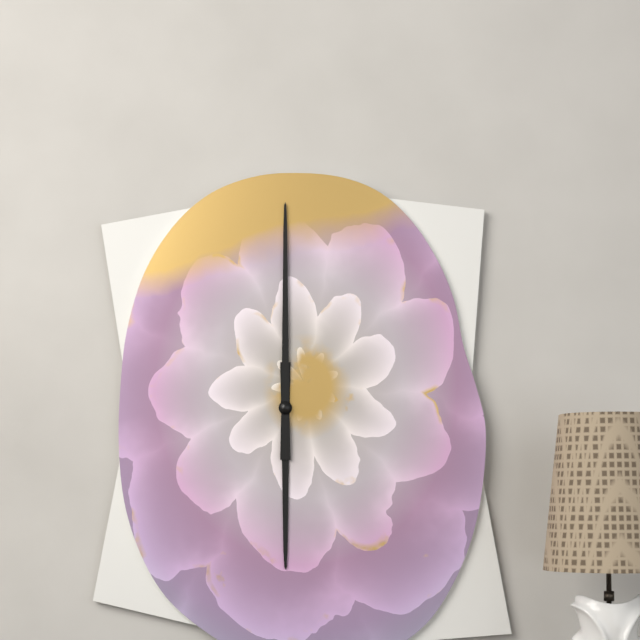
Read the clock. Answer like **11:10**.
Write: **6:00**
